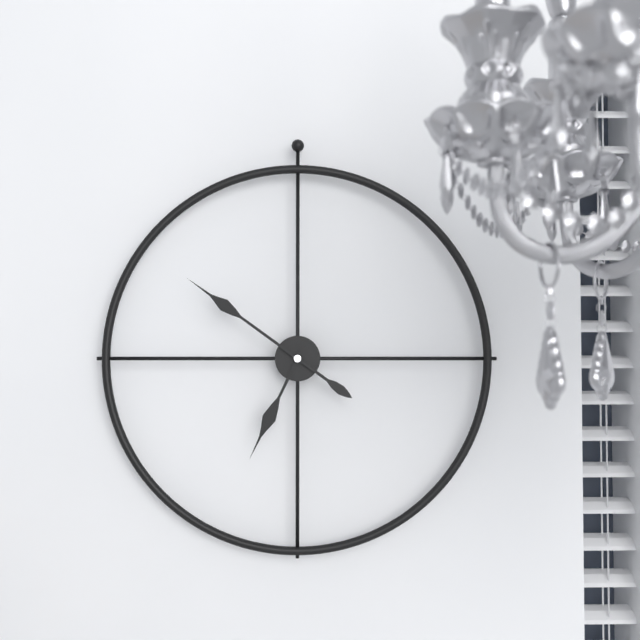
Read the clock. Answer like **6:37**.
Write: **6:51**
